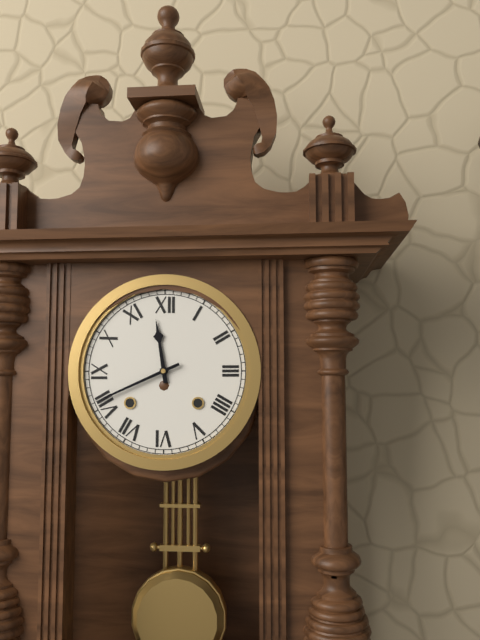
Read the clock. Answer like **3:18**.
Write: **11:41**
